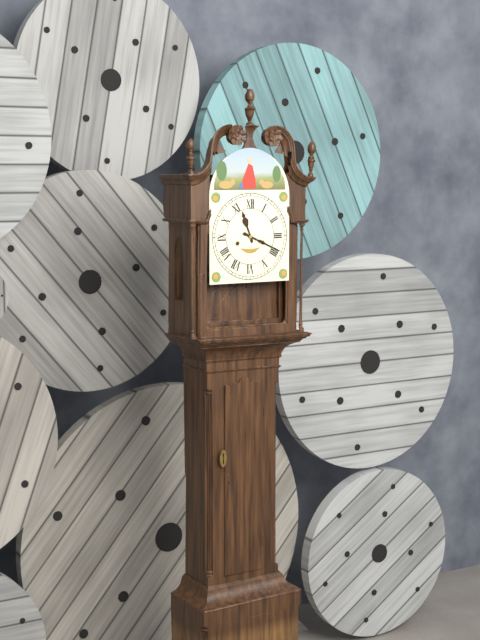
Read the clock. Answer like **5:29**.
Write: **11:19**
